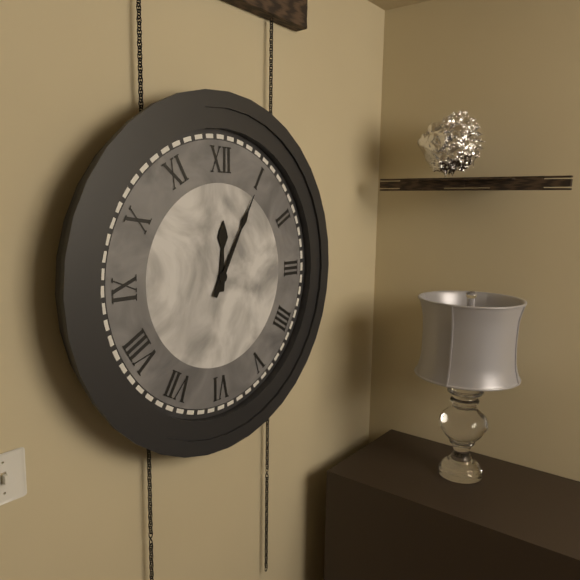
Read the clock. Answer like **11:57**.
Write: **12:05**
